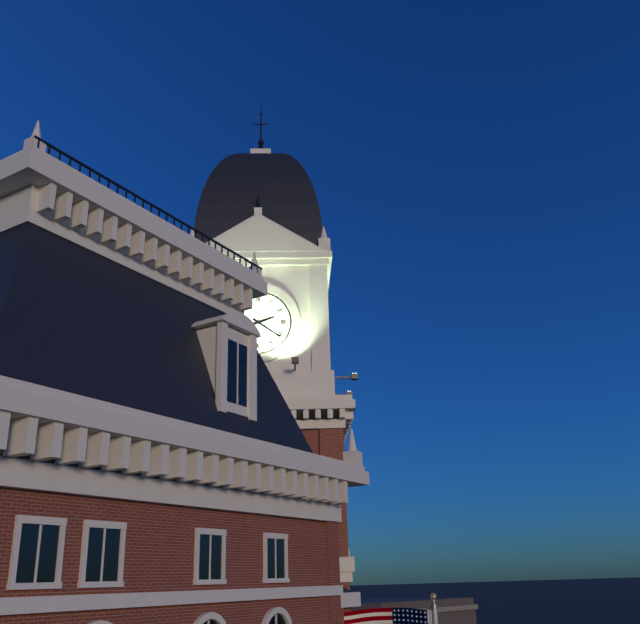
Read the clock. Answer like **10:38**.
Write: **2:21**
